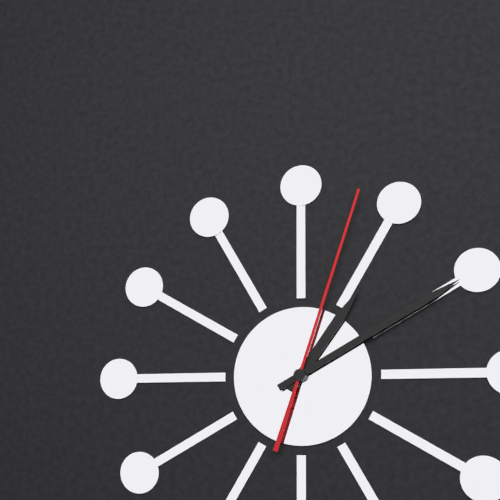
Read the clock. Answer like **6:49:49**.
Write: **1:10:03**
